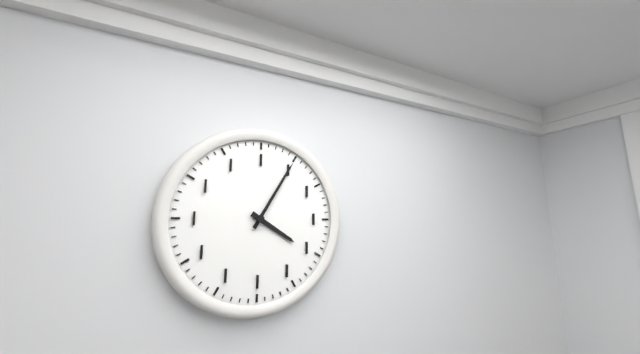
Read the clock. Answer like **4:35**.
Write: **4:05**
